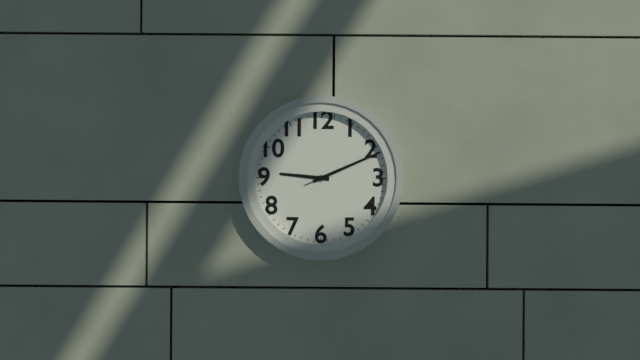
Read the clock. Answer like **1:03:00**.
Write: **9:11:11**
